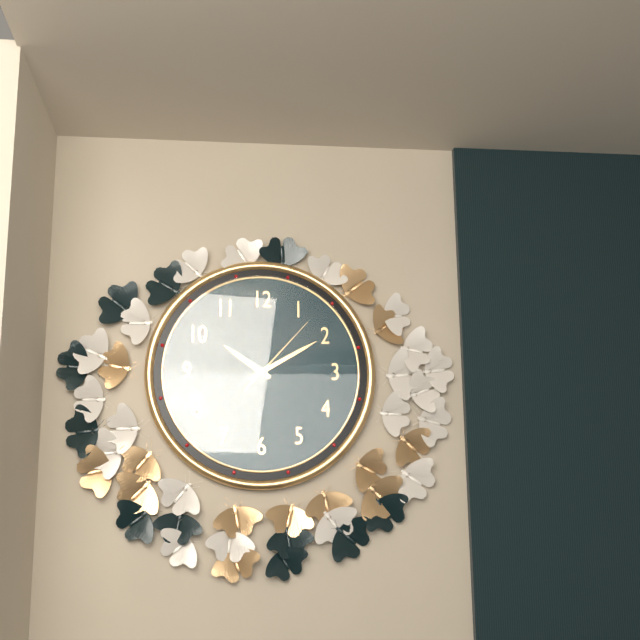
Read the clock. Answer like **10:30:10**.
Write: **10:10:07**
